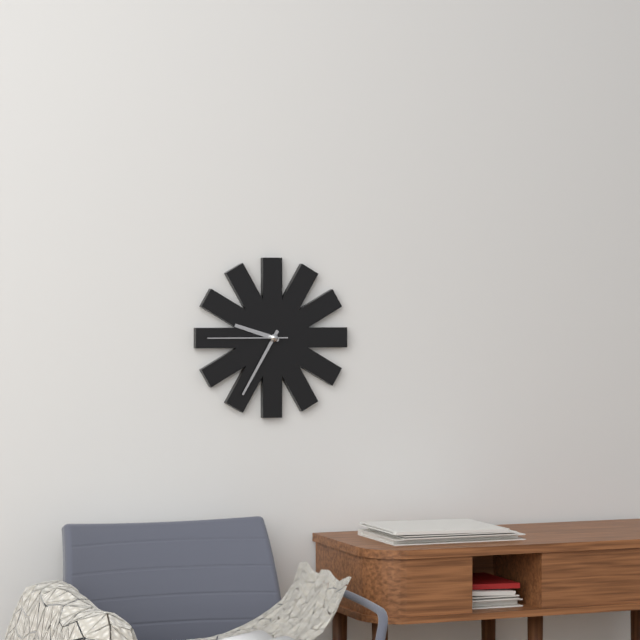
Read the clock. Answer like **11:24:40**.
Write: **9:35:45**
